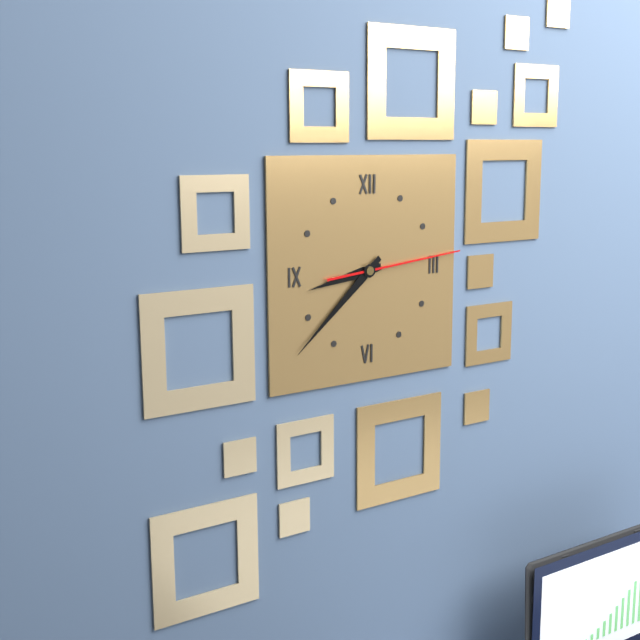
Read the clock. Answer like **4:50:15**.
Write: **8:38:14**
